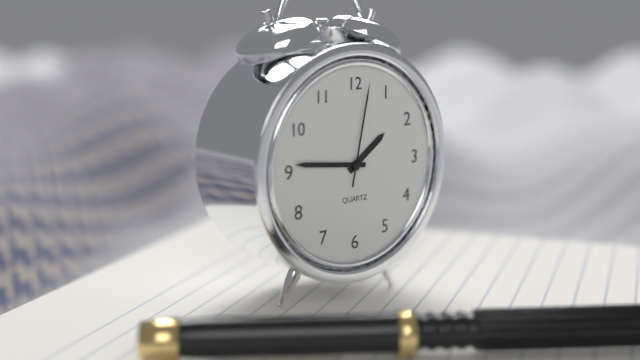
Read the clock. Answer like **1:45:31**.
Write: **1:46:02**
